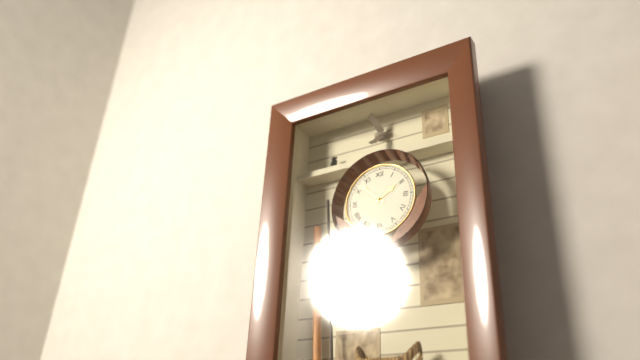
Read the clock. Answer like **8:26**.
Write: **1:52**
